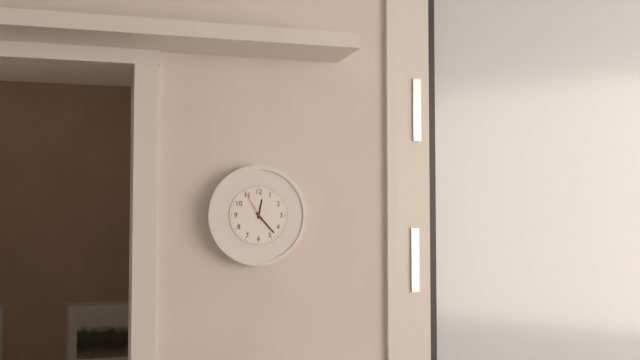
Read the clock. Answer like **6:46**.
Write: **12:23**
